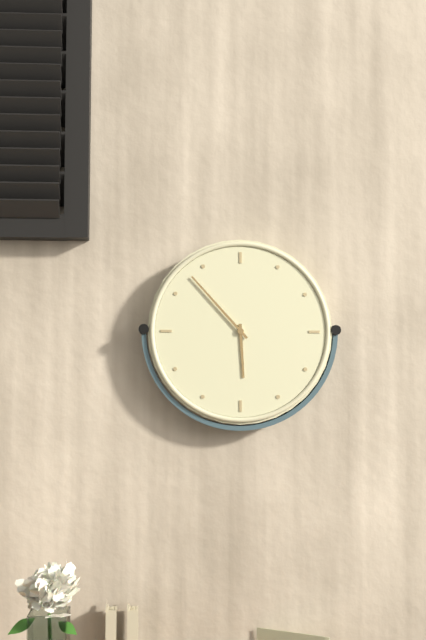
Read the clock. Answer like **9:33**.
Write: **5:53**
